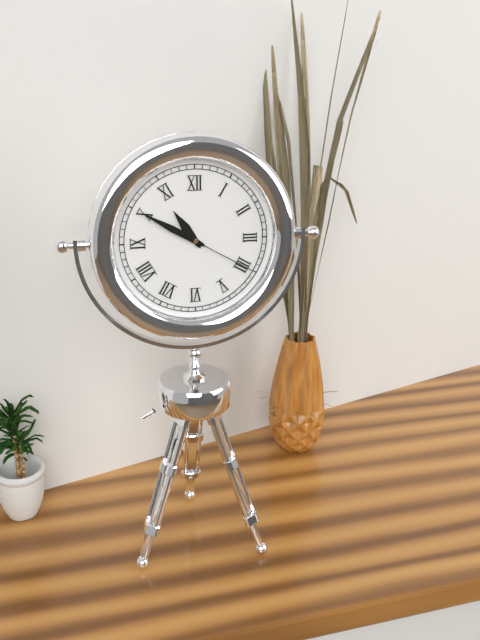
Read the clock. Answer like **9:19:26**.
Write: **10:50:20**
